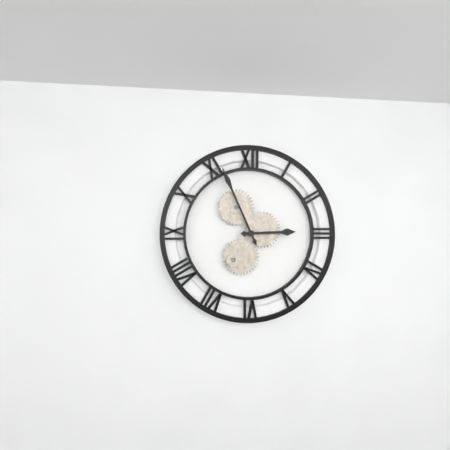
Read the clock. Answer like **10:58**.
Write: **2:56**
